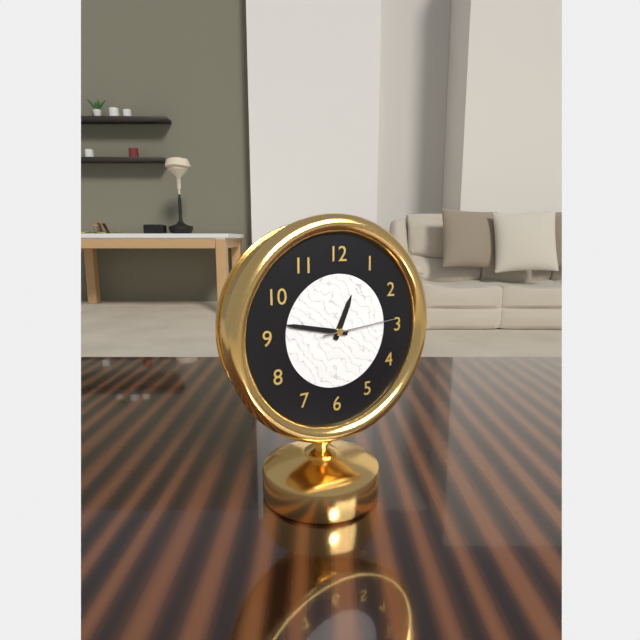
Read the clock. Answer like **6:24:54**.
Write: **12:47:14**
